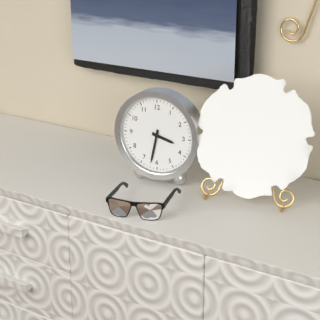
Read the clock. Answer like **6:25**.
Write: **3:32**
